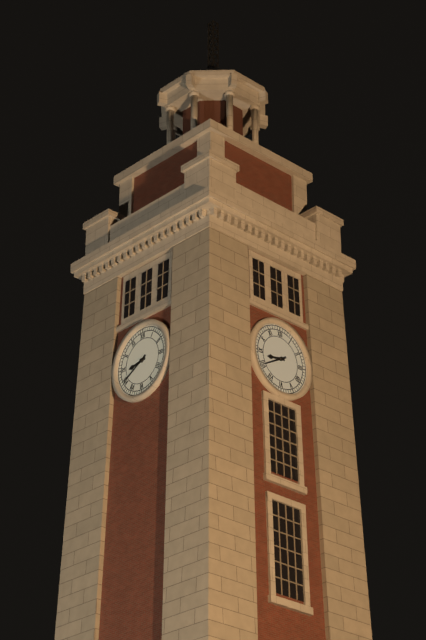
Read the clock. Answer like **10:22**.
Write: **8:40**
